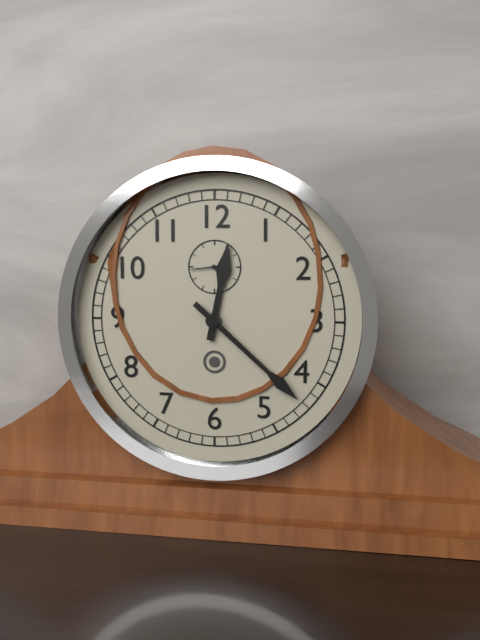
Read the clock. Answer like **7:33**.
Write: **12:22**
